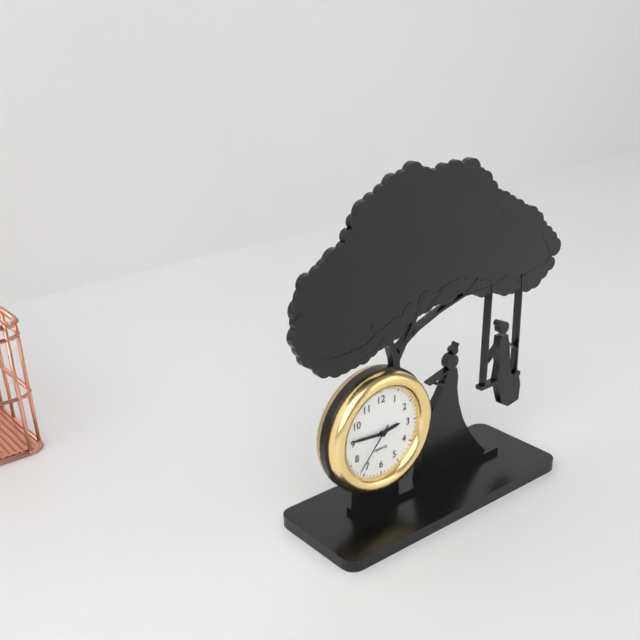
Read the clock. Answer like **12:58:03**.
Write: **2:46:37**
